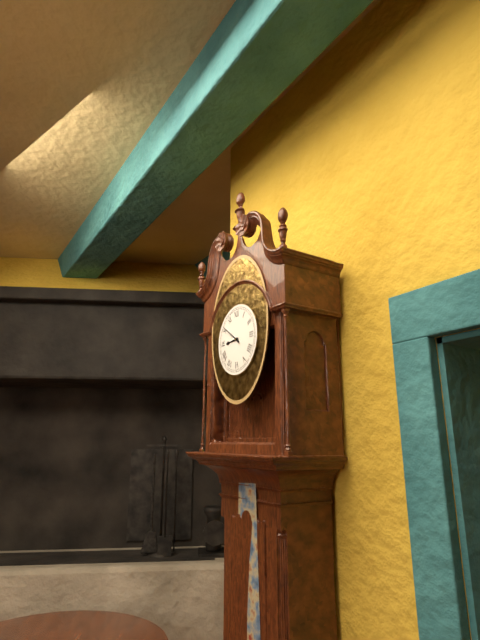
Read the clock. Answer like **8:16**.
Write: **8:51**
